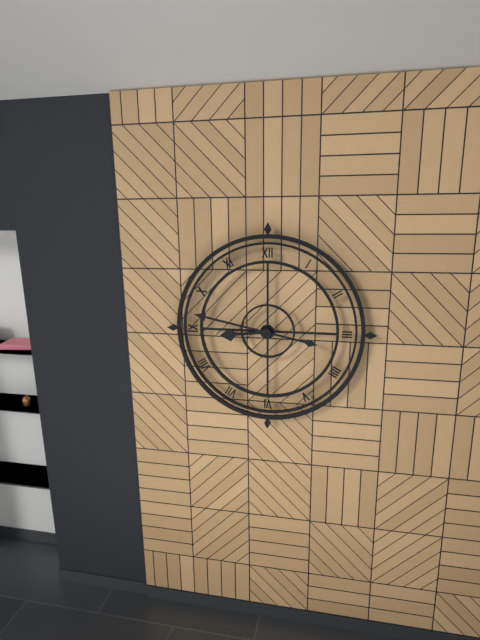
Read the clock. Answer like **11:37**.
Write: **8:47**
